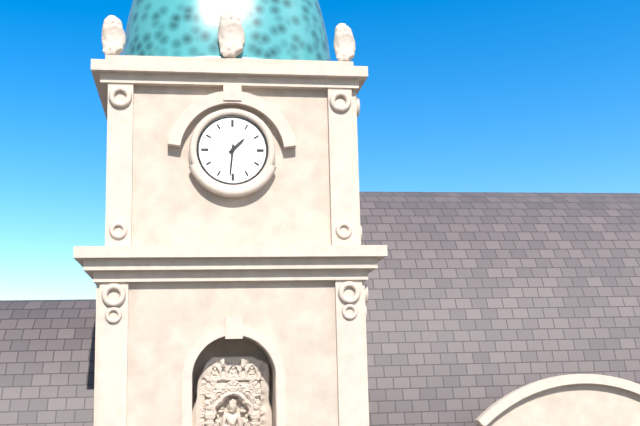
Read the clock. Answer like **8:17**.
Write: **1:31**
